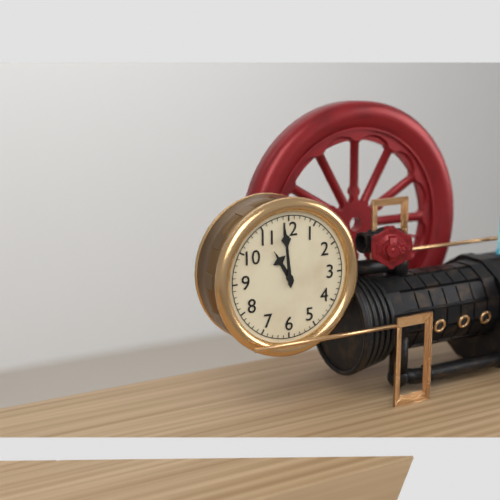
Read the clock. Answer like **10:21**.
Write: **10:59**
